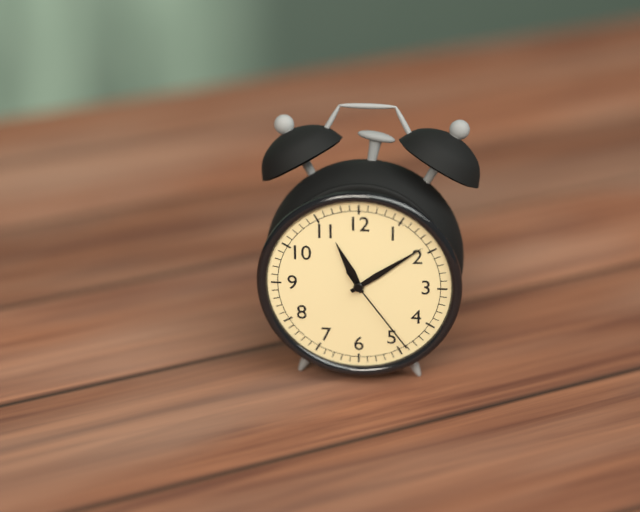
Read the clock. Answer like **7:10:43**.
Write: **11:09:24**
